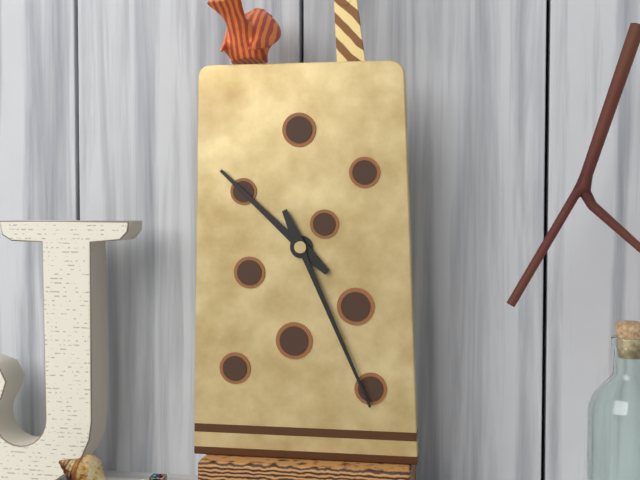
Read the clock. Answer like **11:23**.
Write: **10:26**
